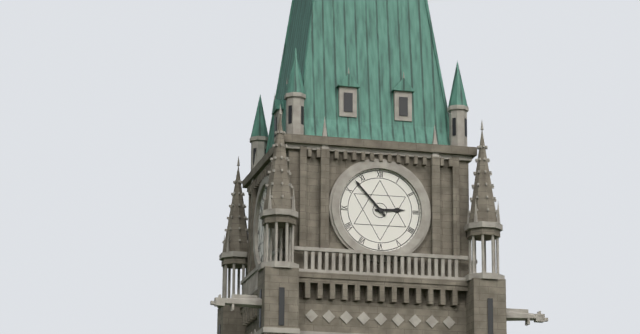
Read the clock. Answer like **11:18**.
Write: **2:53**
